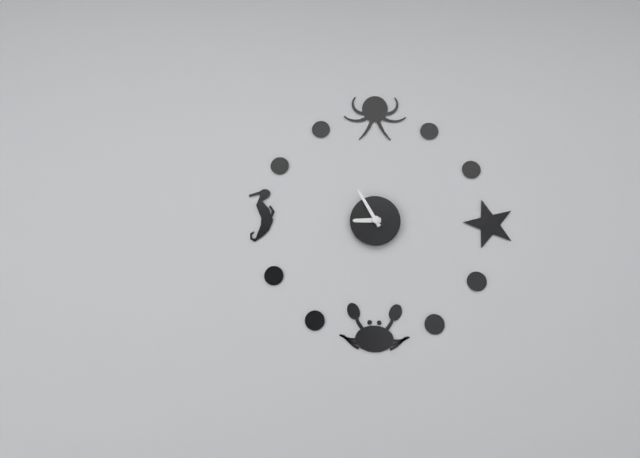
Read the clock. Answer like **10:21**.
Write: **8:55**
